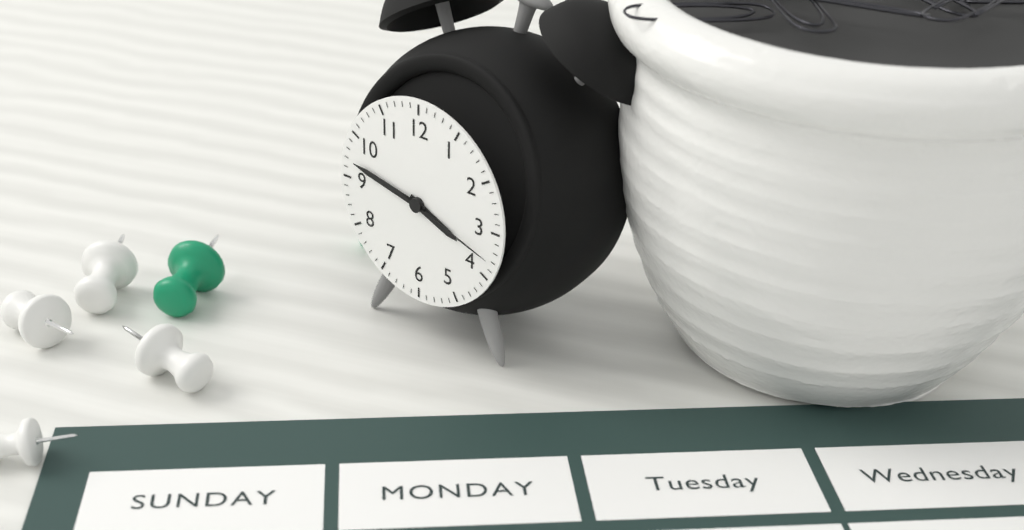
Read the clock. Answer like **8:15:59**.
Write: **3:47:18**
